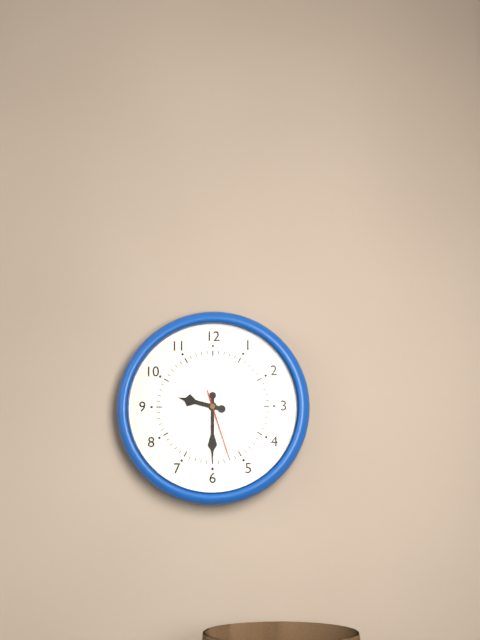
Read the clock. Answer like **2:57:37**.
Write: **9:30:27**
